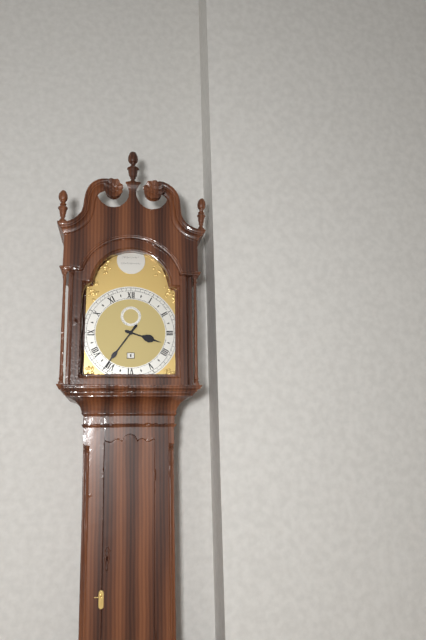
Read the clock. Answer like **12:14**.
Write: **3:36**
